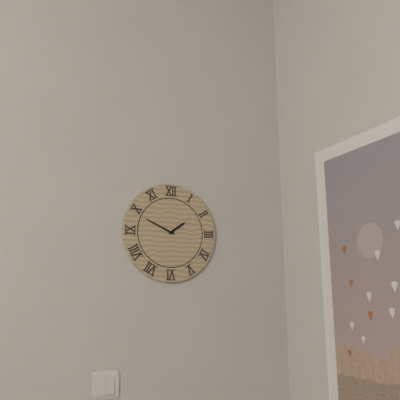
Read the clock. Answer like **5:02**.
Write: **1:49**
